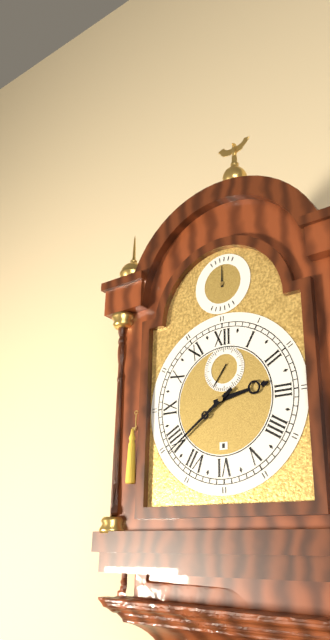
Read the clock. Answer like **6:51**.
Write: **2:39**
